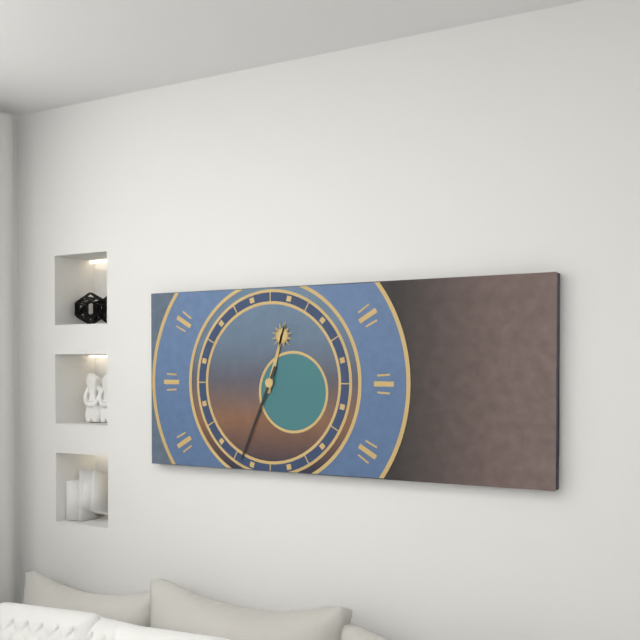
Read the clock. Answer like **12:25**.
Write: **12:34**
